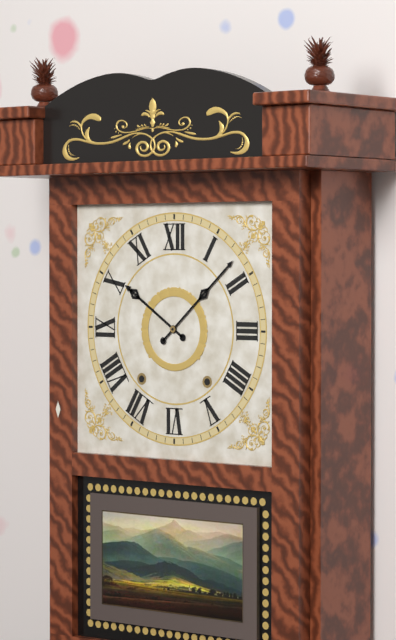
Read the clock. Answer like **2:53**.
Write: **10:08**
